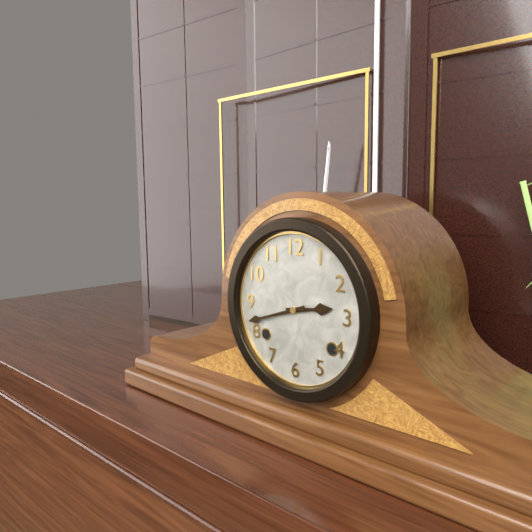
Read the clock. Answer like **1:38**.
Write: **2:42**
